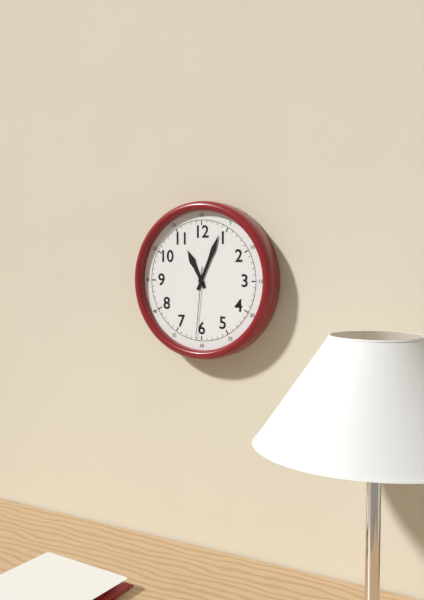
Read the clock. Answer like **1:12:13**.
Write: **11:04:31**
